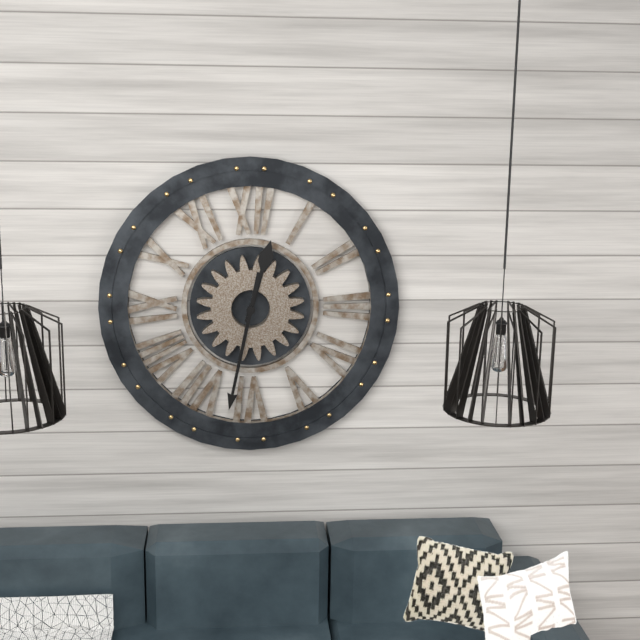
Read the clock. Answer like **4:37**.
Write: **12:32**
